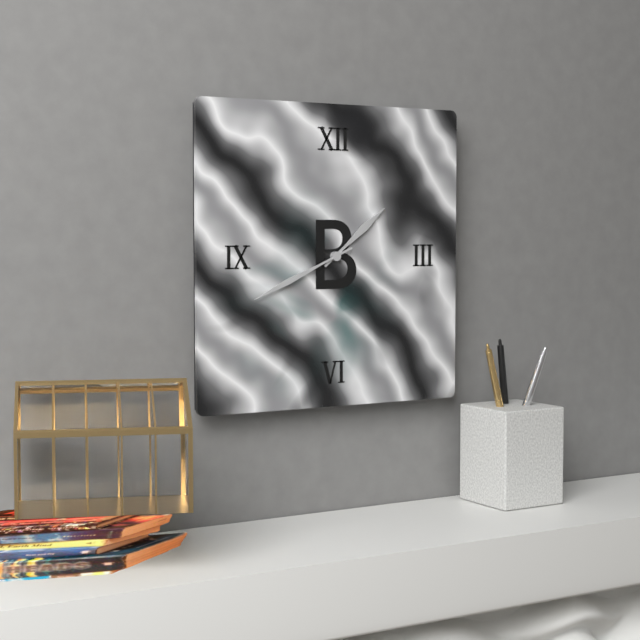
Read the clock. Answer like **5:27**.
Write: **1:41**
